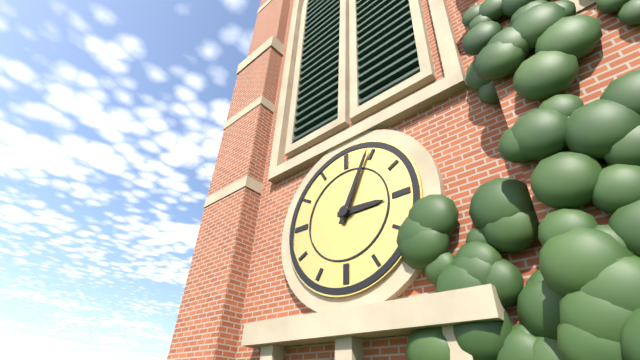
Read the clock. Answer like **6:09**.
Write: **3:04**
